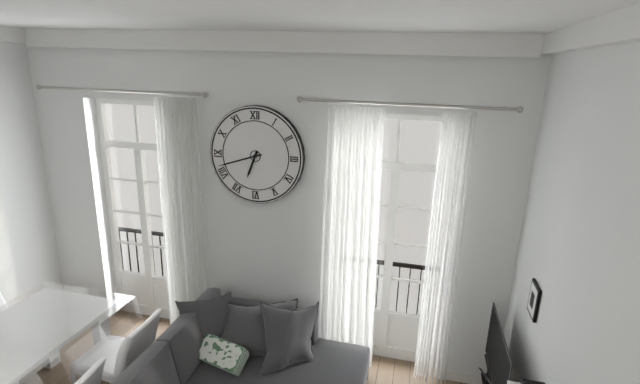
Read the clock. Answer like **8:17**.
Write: **6:42**
